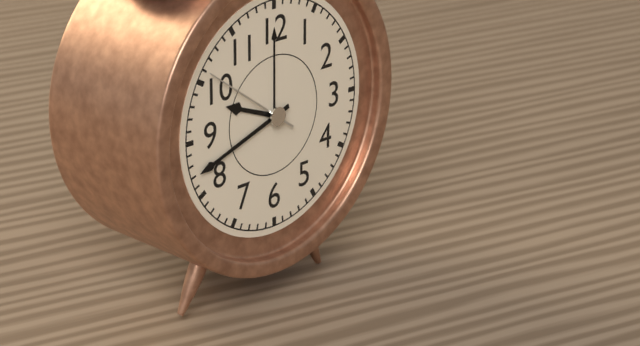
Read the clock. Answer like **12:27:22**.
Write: **9:42:51**
